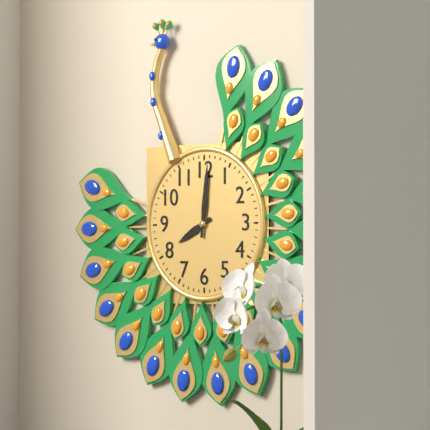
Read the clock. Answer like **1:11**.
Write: **8:01**
